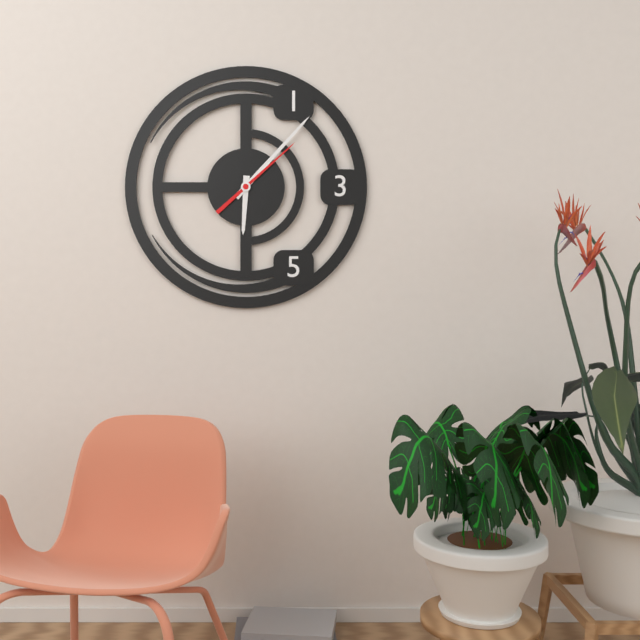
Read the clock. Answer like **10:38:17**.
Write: **6:07:08**
